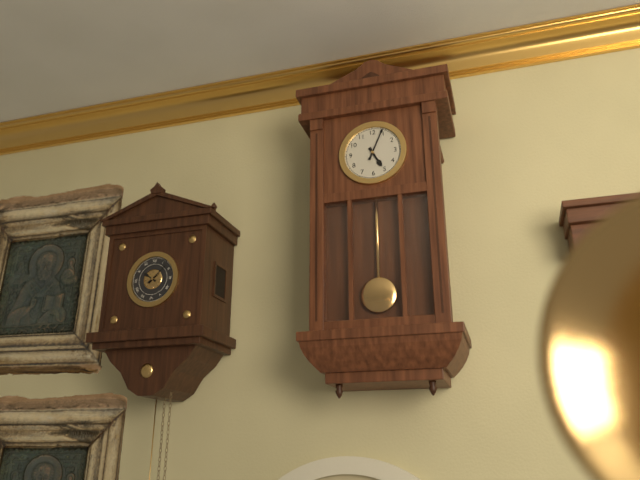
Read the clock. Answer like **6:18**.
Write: **5:04**
